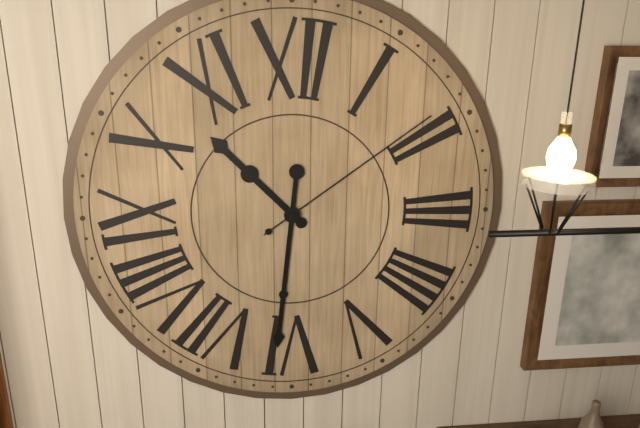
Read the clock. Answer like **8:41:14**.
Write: **10:31:09**
